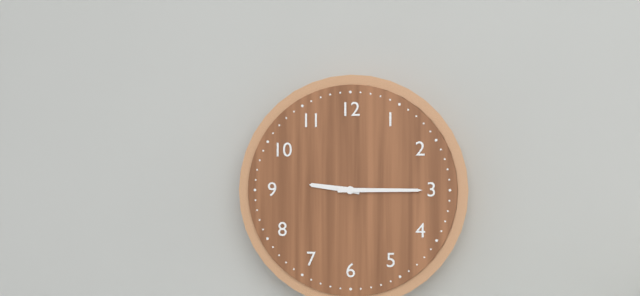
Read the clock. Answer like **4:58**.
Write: **9:15**
